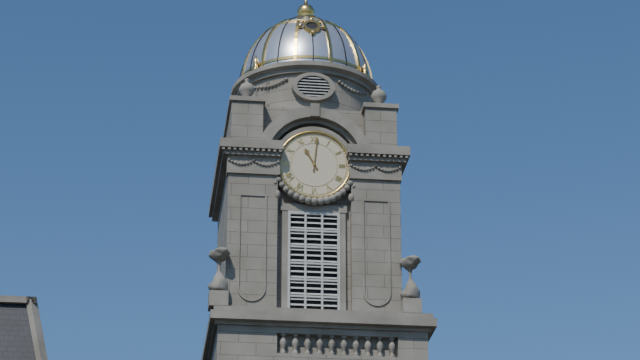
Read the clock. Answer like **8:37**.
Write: **11:01**
